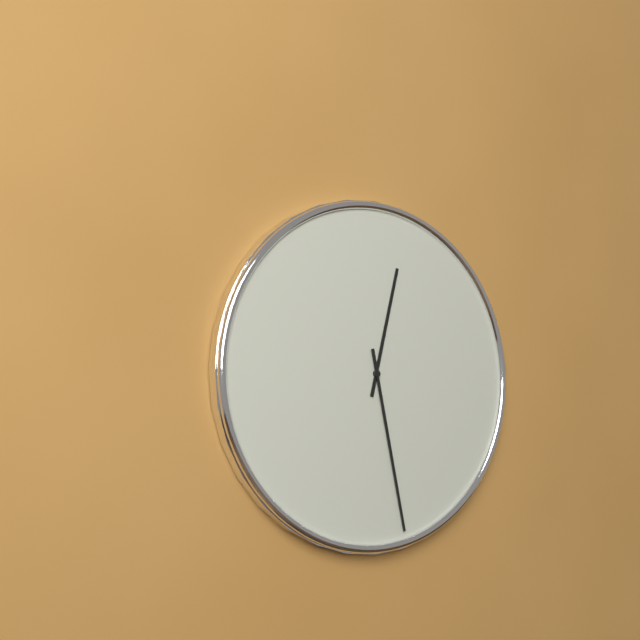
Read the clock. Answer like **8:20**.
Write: **12:28**
